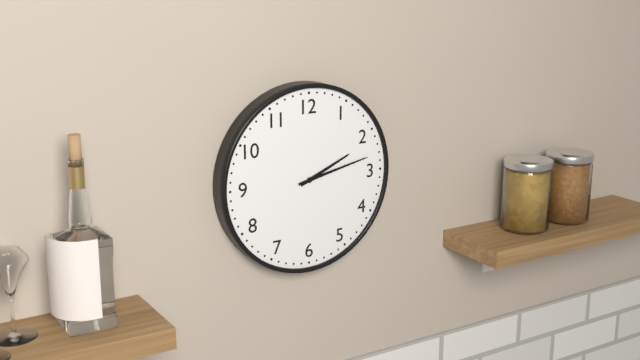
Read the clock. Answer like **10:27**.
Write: **2:13**
